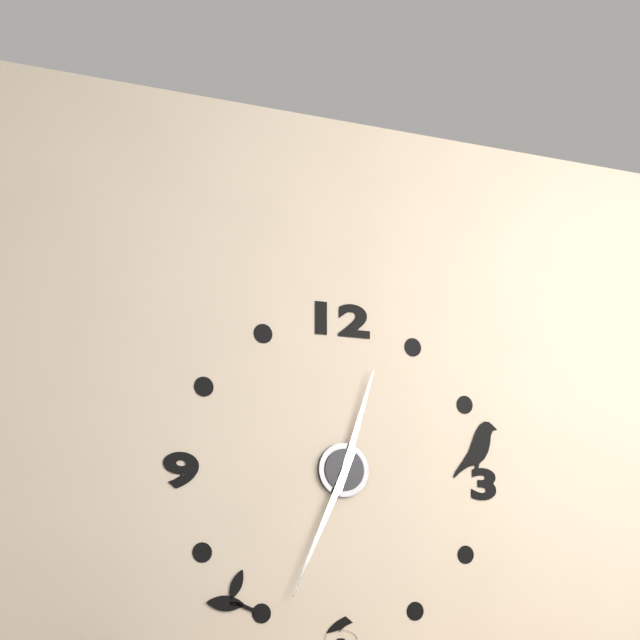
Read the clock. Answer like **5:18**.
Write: **12:34**
